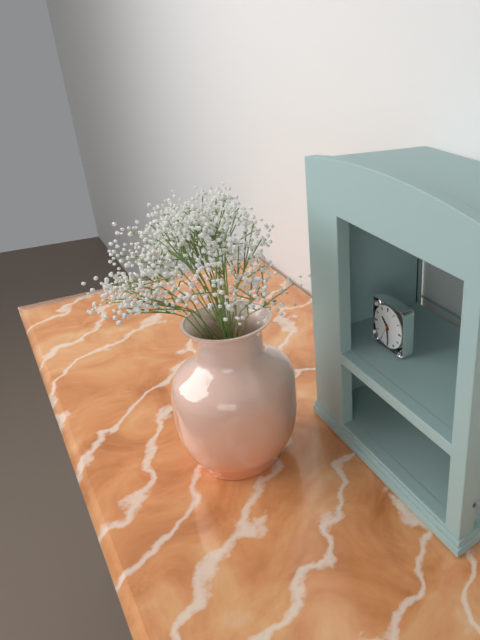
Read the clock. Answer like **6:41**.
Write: **10:29**
